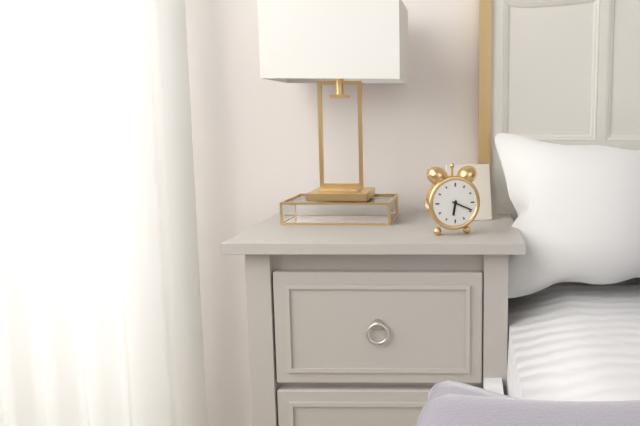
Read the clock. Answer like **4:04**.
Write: **6:19**
